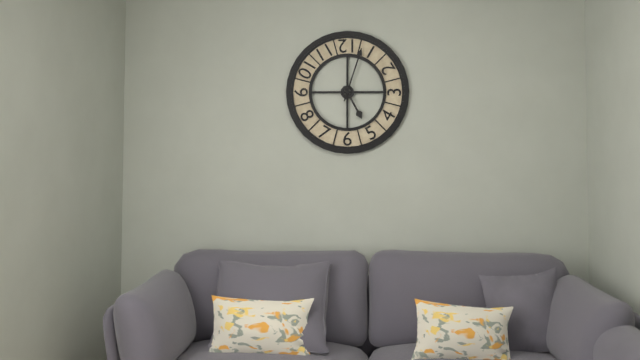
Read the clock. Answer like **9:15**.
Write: **5:03**
